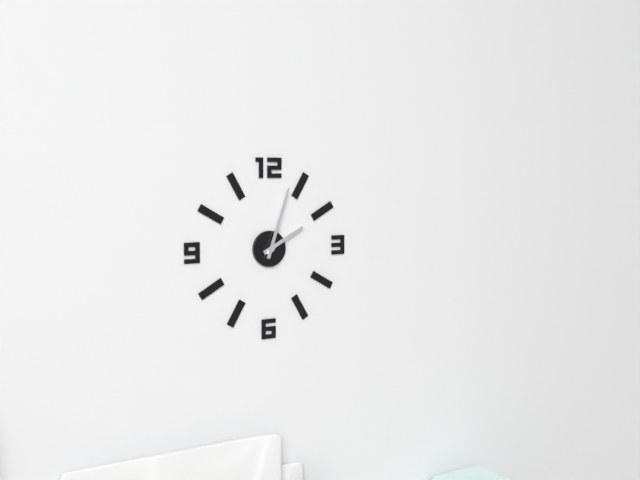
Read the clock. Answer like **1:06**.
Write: **2:03**
